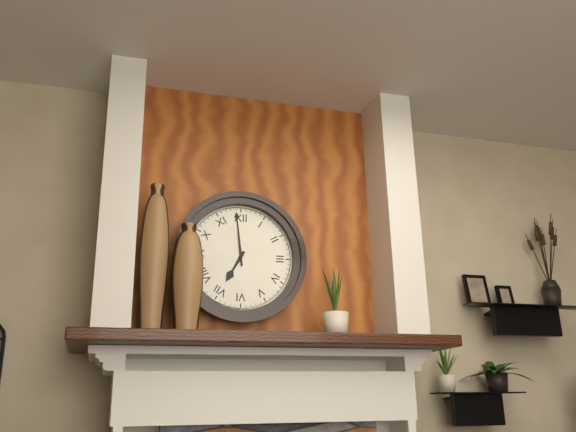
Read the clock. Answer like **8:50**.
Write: **6:59**
